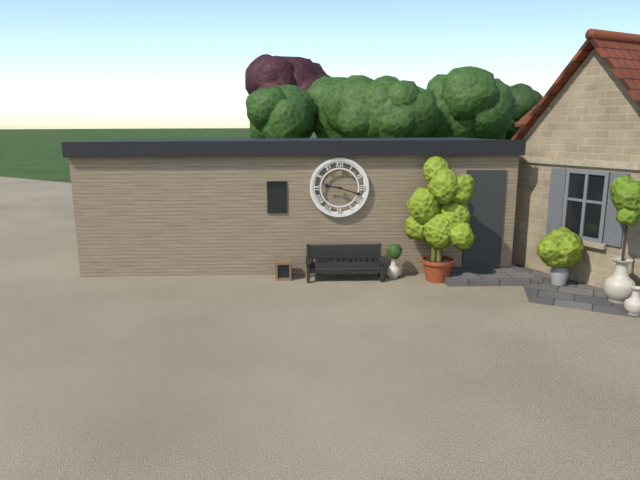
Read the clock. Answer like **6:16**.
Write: **9:18**
